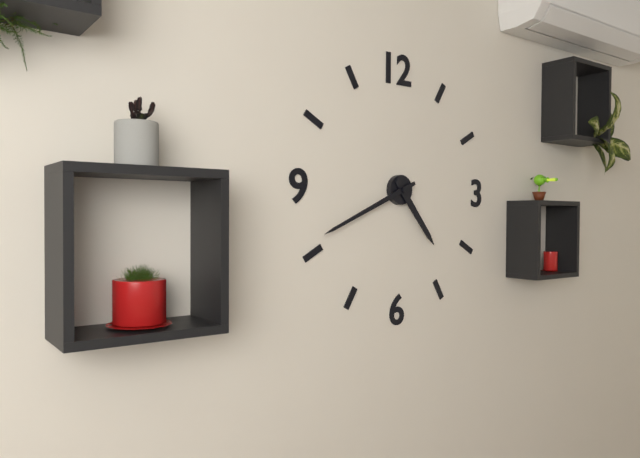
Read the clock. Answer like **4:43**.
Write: **4:41**
